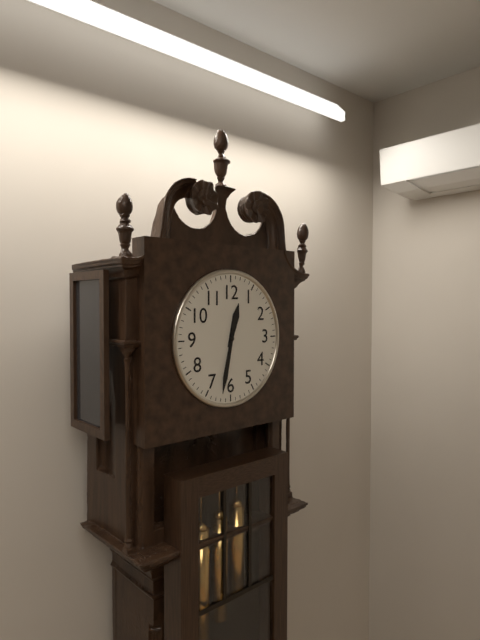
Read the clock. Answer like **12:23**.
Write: **12:32**
